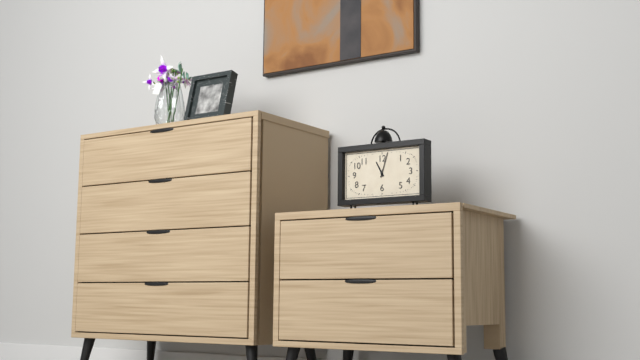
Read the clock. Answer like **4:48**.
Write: **11:03**
